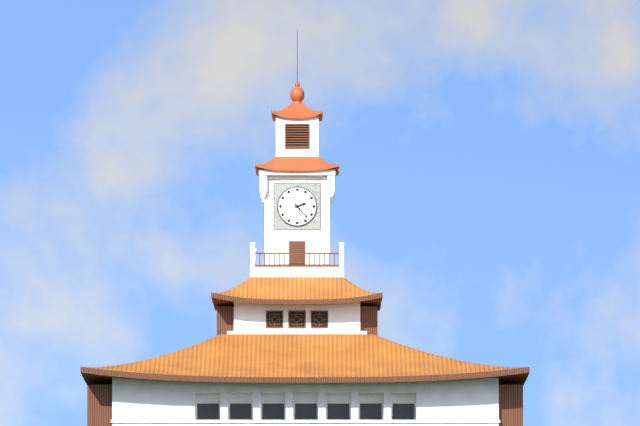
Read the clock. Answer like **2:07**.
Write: **2:23**
